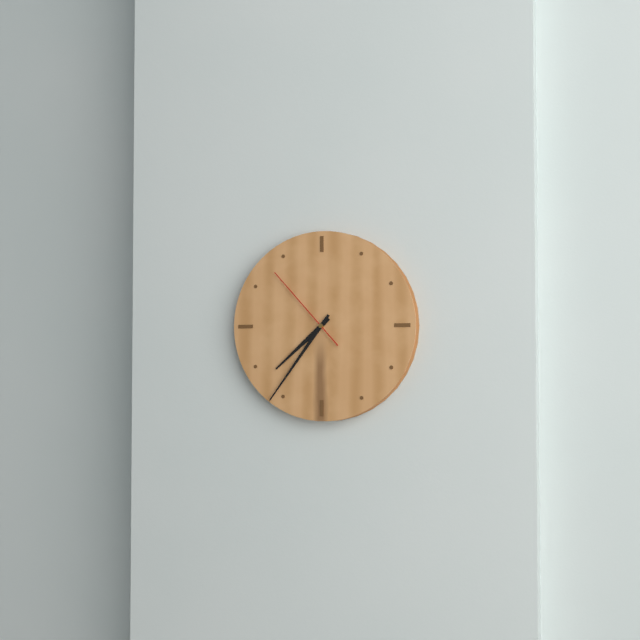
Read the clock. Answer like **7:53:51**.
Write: **7:36:53**
